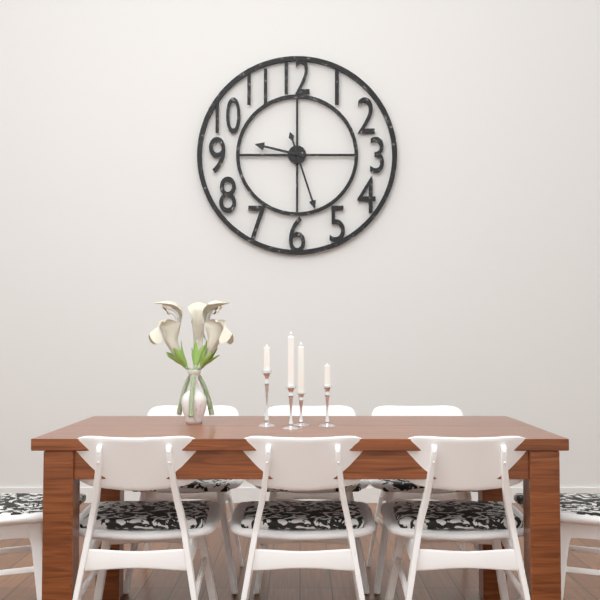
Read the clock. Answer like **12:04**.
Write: **9:27**
